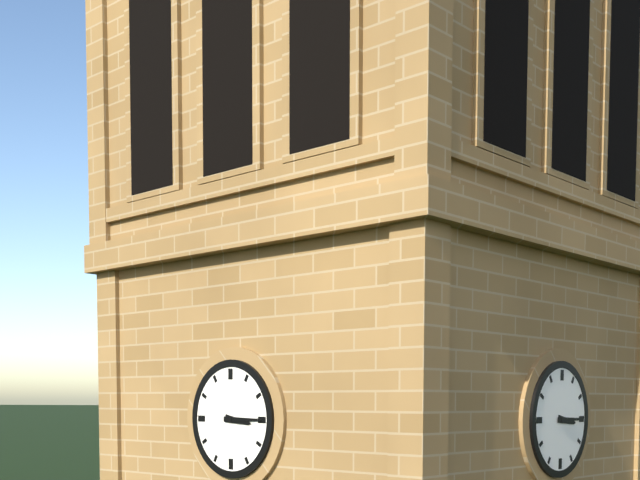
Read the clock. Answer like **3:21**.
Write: **3:15**
